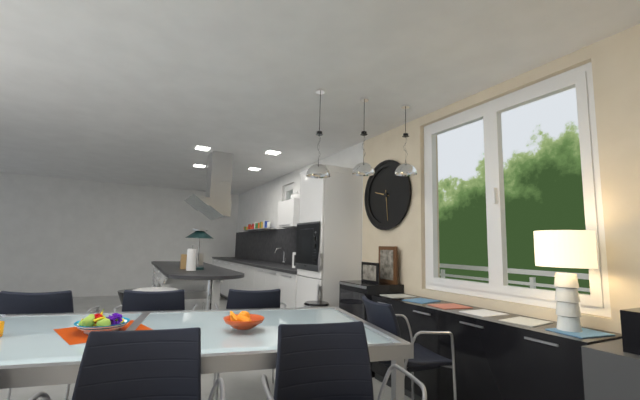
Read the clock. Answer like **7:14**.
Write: **9:29**
